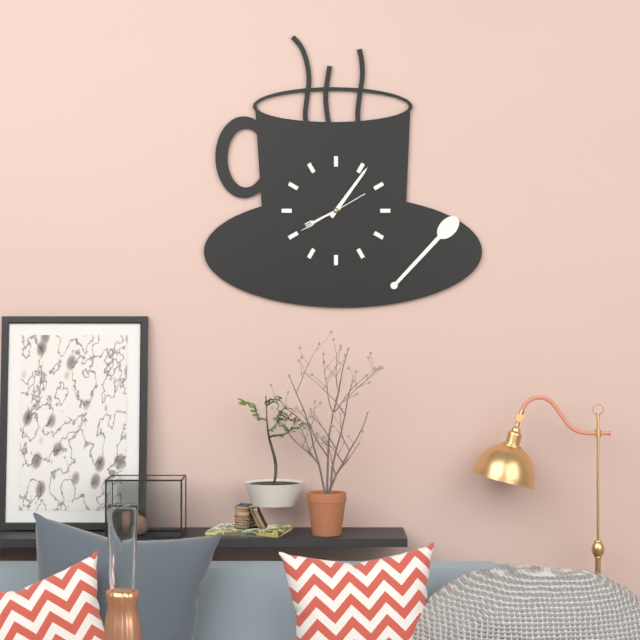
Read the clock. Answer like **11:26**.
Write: **8:06**
